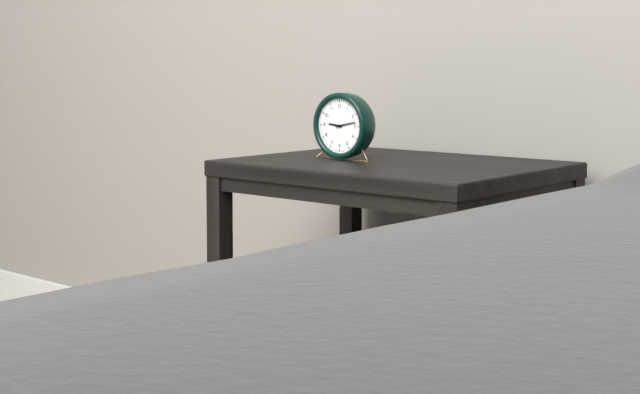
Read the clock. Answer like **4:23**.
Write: **9:13**
